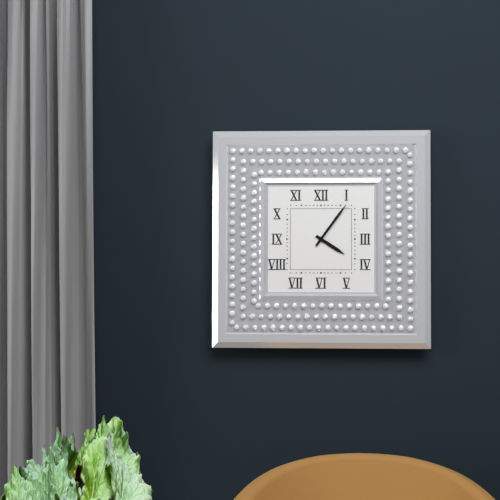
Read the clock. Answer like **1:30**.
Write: **4:06**
